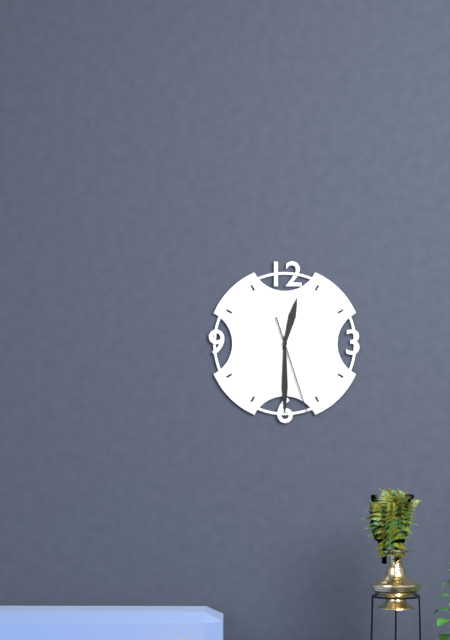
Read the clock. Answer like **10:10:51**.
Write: **12:30:27**
